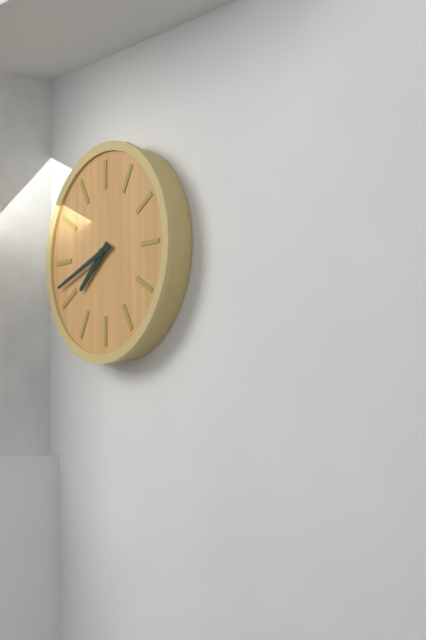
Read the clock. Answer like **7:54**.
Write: **7:42**
